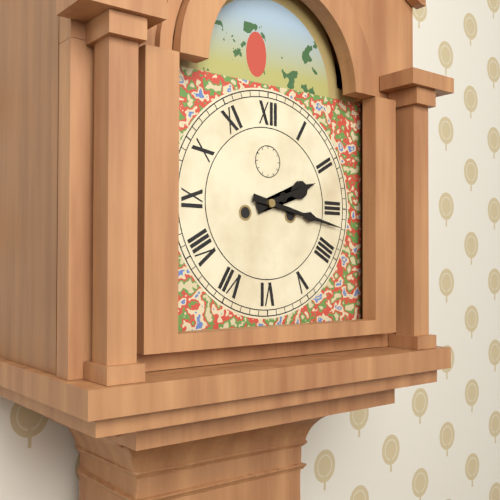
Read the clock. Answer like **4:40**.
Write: **2:17**
